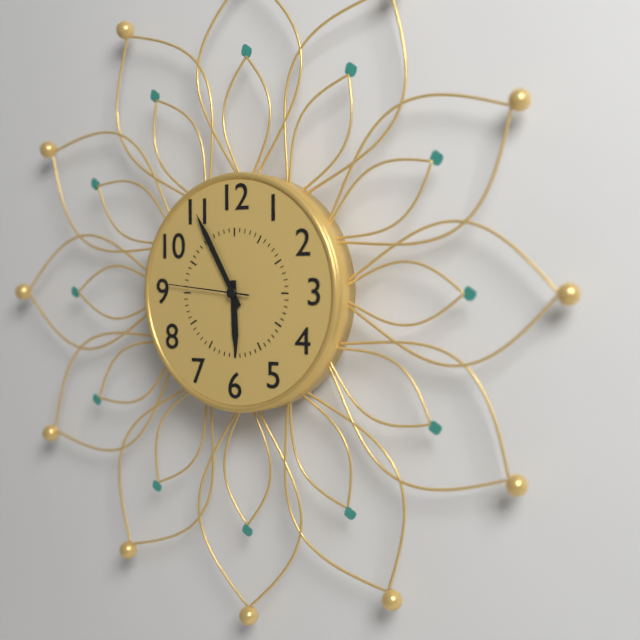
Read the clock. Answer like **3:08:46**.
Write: **5:55:46**
